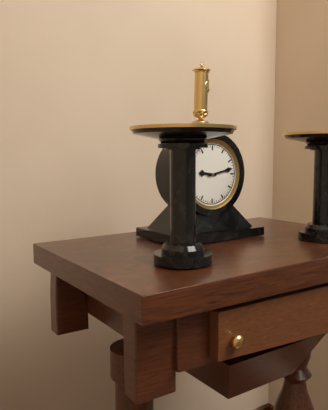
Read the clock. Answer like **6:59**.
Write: **9:13**
